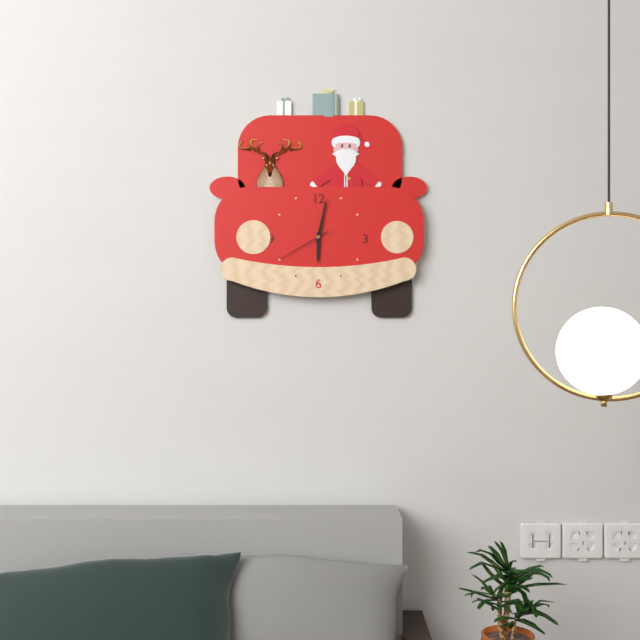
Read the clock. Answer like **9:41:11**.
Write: **6:02:40**
